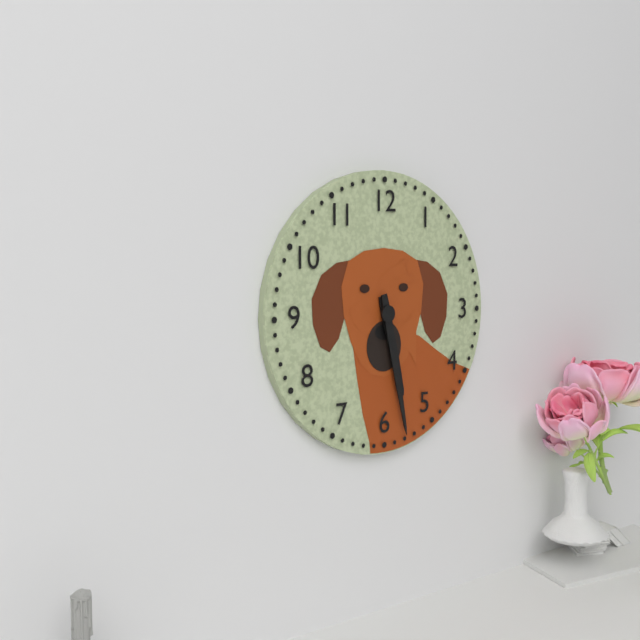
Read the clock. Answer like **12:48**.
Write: **5:28**
